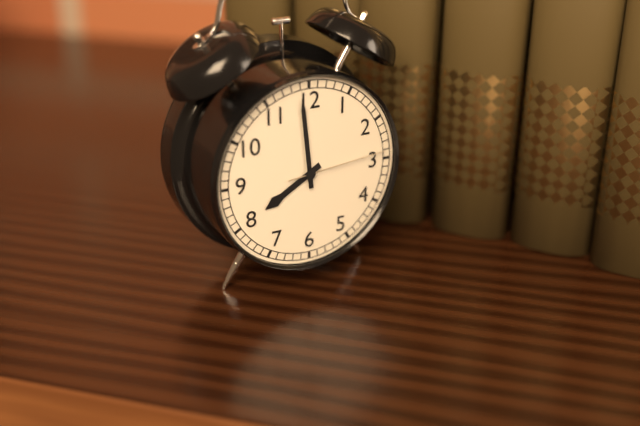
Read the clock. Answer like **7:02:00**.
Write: **7:59:14**
